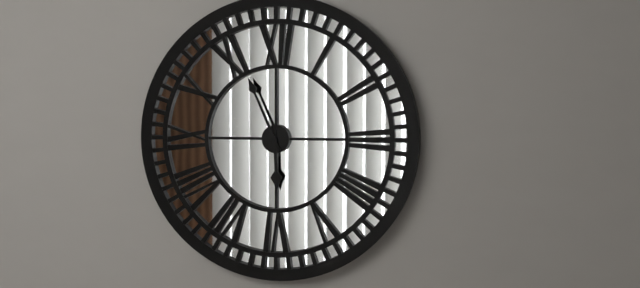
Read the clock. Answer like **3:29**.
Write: **5:56**
